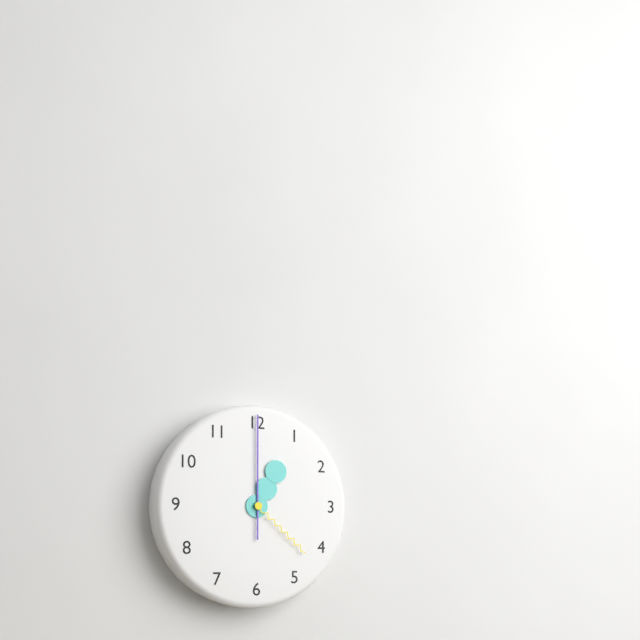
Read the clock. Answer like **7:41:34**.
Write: **1:00:22**
